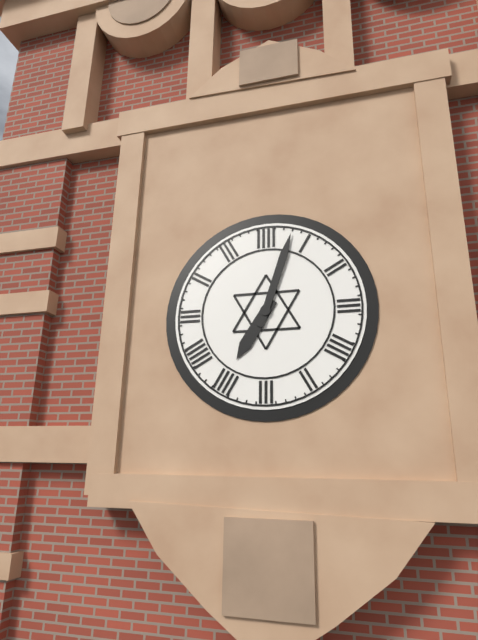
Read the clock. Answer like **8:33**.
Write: **7:03**
